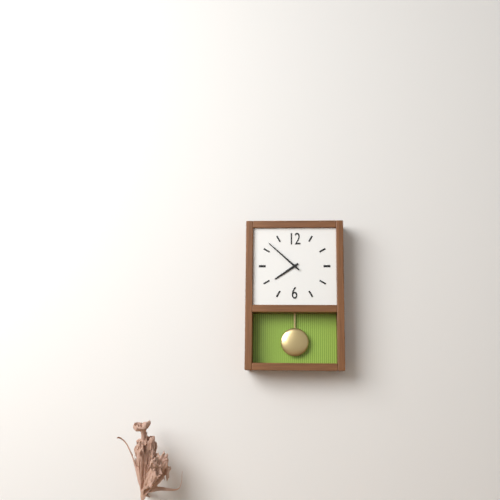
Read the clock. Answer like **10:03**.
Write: **7:52**
